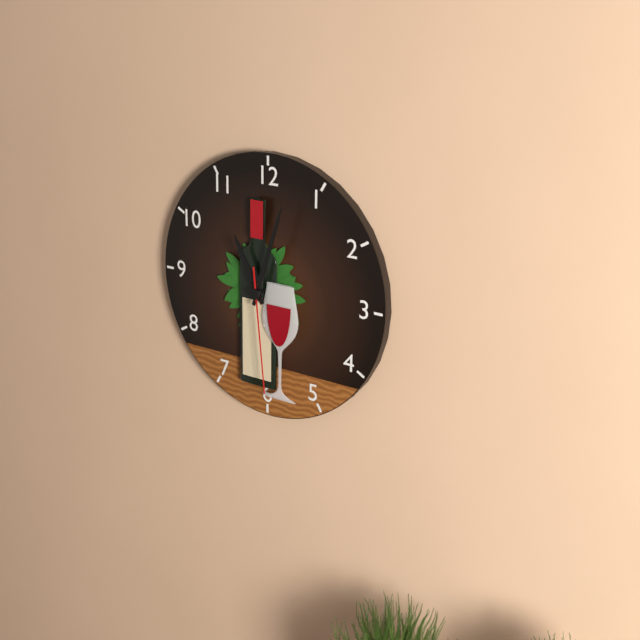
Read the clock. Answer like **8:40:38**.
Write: **11:03:29**
